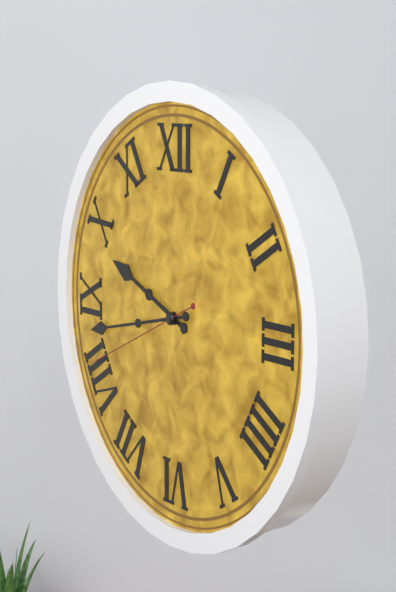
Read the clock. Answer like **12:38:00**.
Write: **9:43:41**
